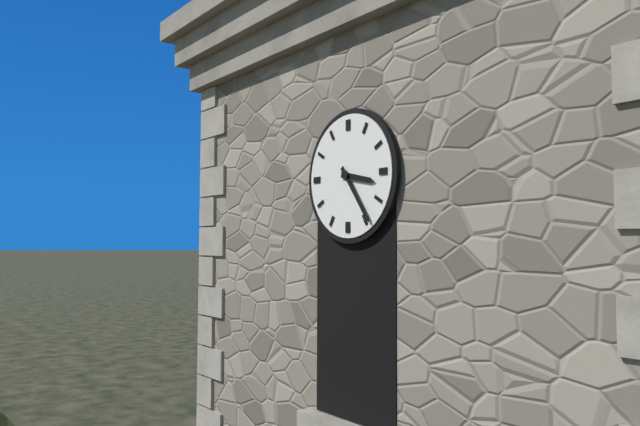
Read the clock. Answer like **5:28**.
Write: **3:24**
